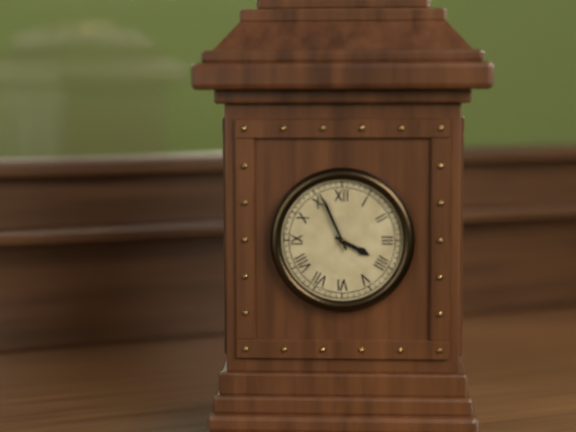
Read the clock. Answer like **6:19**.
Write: **3:56**
